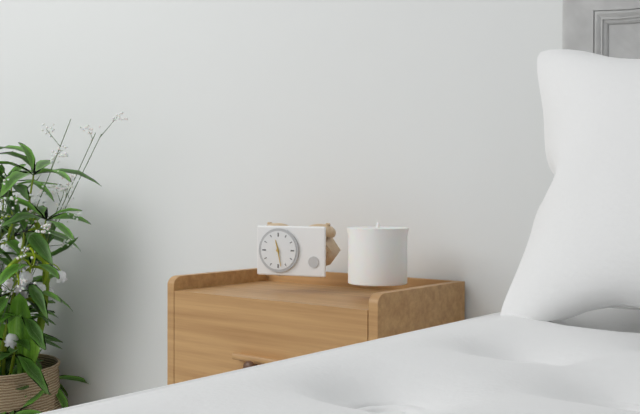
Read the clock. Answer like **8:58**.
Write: **11:28**
